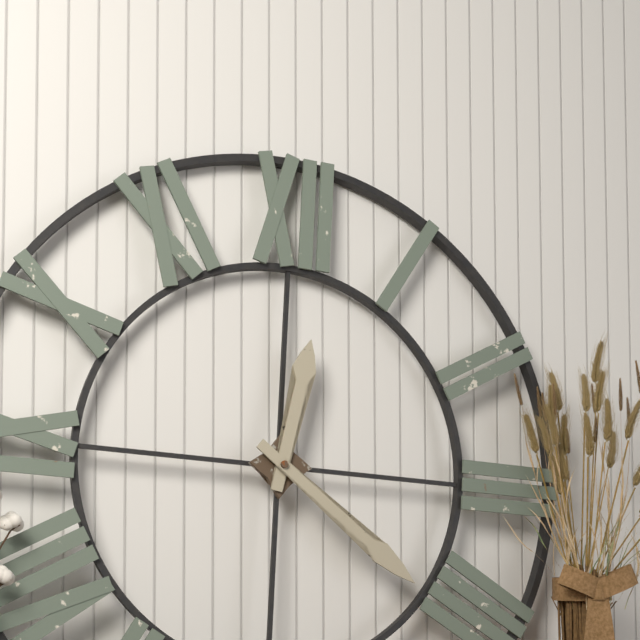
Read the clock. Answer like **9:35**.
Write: **12:21**
